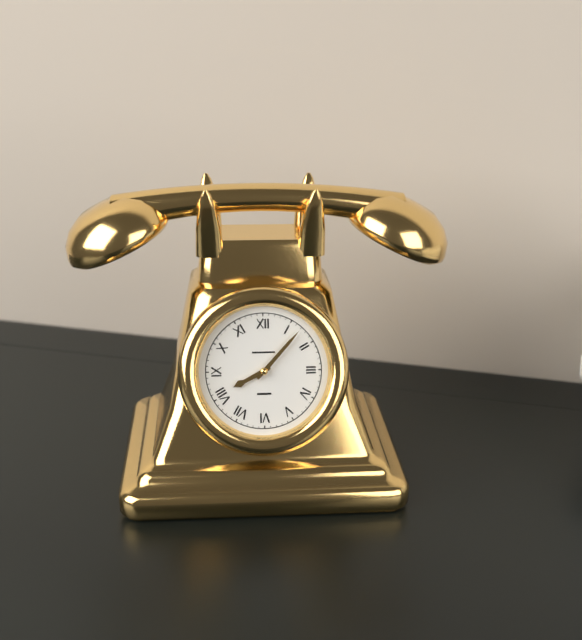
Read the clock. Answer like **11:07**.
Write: **8:07**
